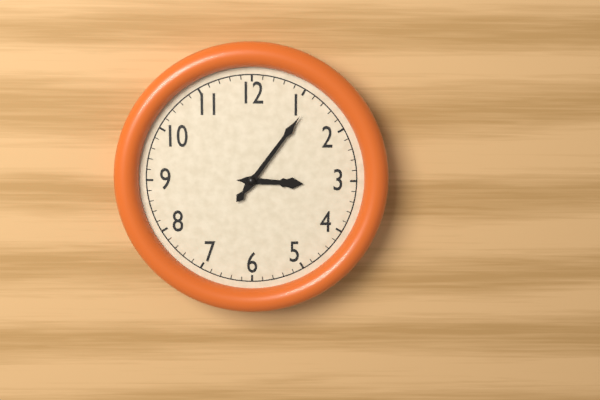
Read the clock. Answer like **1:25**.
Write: **3:06**
